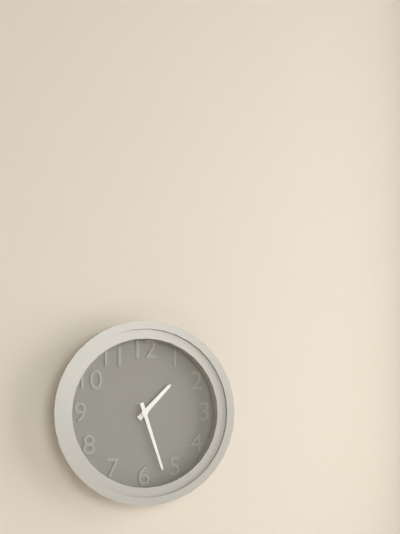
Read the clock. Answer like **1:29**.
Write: **1:27**
